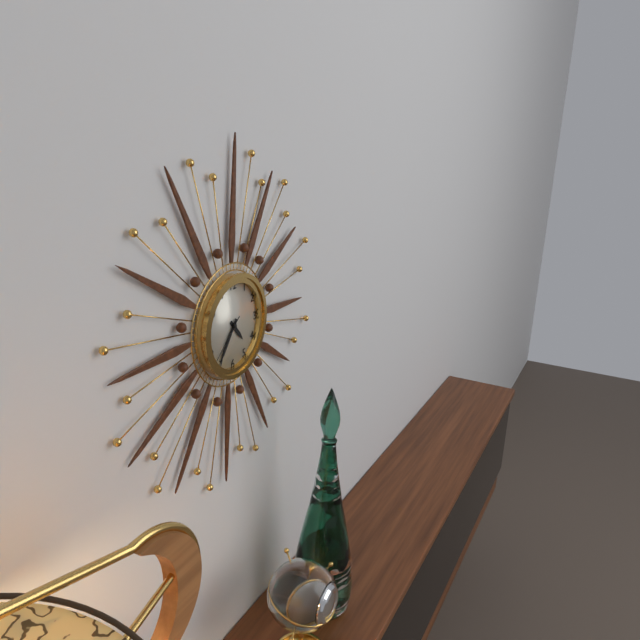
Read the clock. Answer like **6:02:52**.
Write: **4:36:38**
